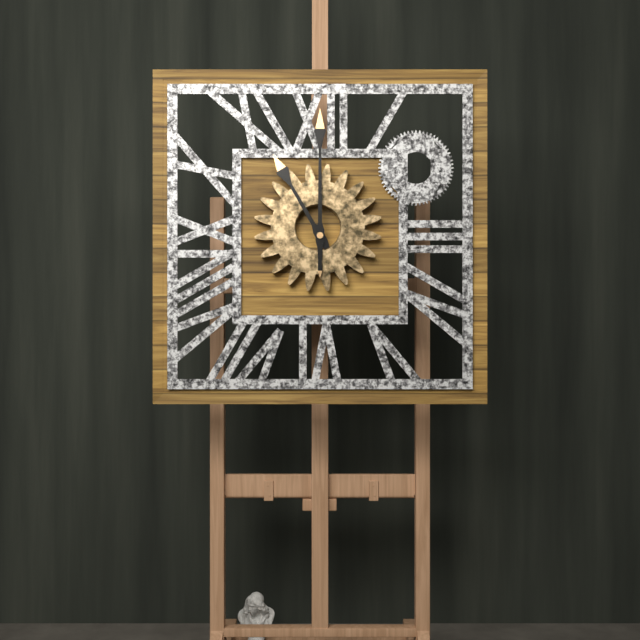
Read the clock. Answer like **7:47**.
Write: **11:00**
